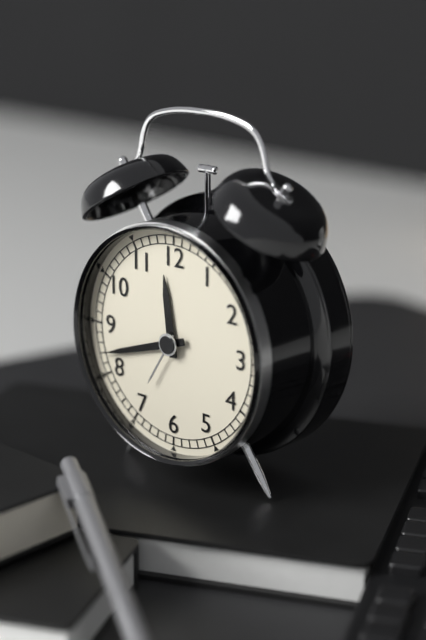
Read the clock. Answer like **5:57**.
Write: **11:42**
